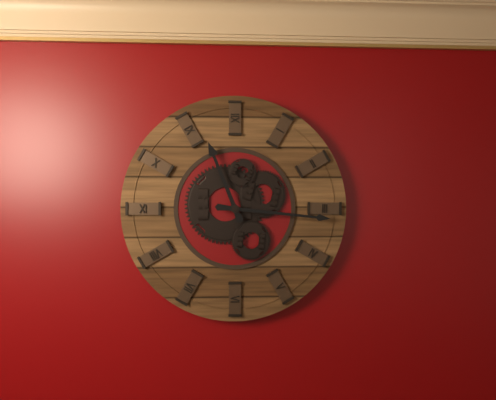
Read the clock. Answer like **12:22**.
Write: **11:16**
